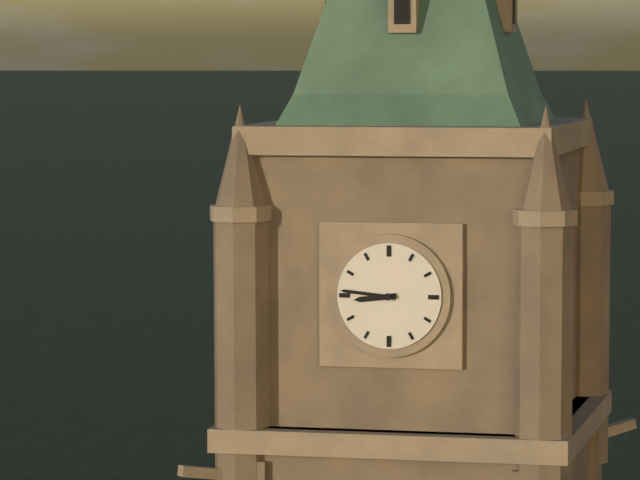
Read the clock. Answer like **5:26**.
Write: **8:46**
